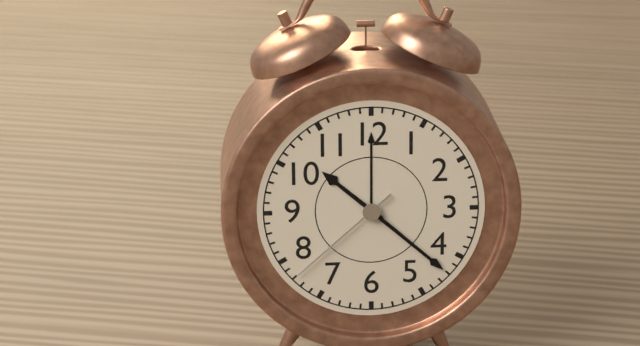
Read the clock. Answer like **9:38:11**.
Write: **10:22:38**
